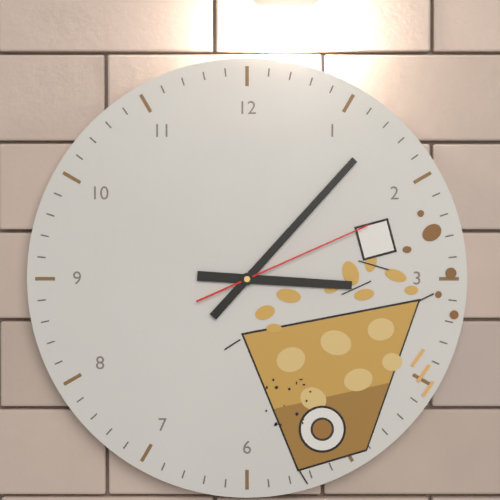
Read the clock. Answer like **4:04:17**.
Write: **3:07:11**
